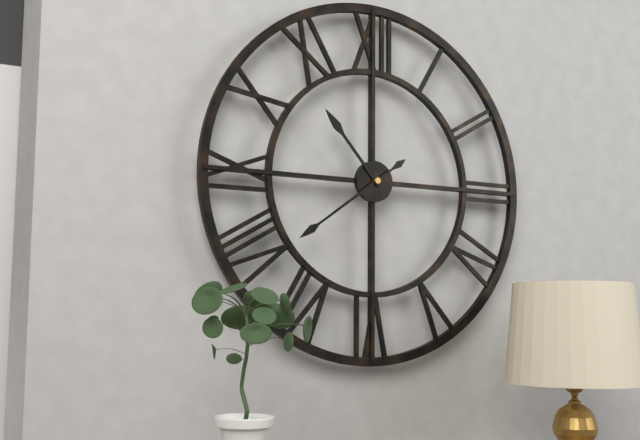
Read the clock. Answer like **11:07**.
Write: **10:39**
